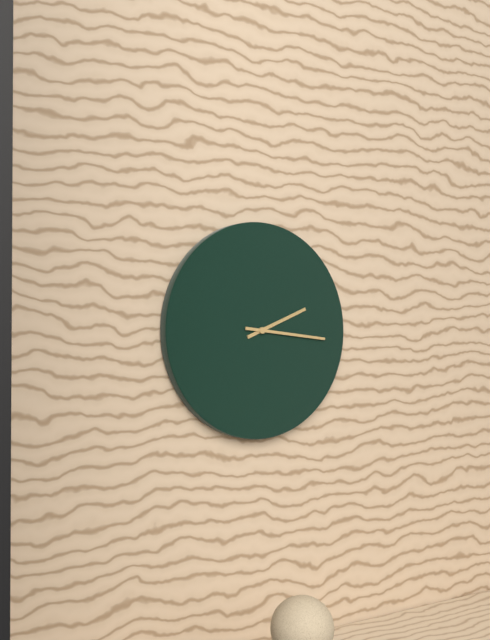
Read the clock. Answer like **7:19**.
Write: **2:16**
